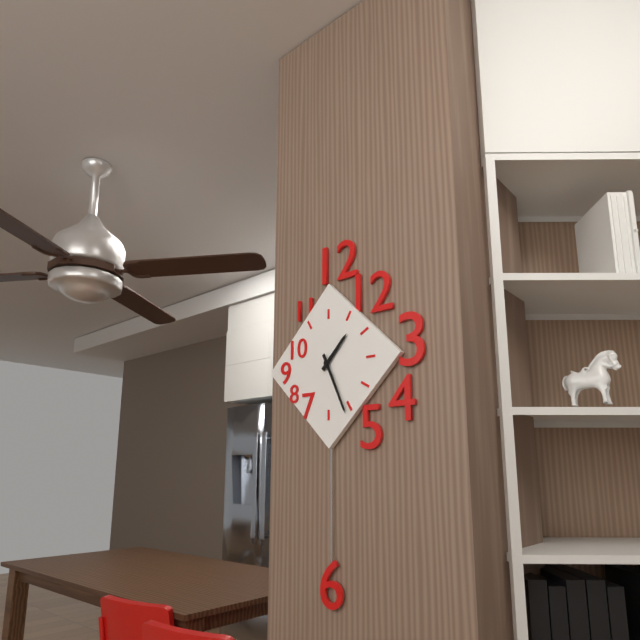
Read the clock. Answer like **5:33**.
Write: **1:26**
